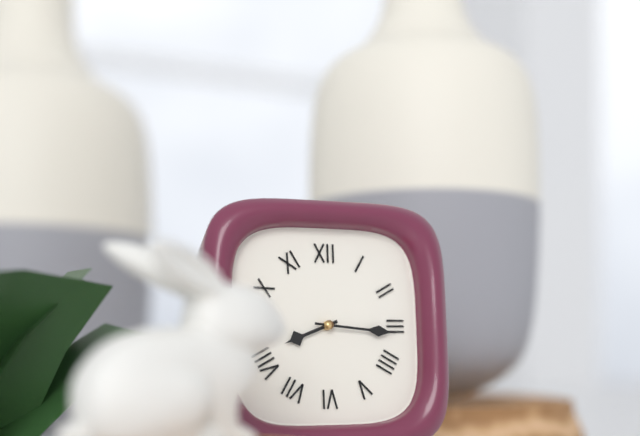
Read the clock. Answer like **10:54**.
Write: **8:16**
